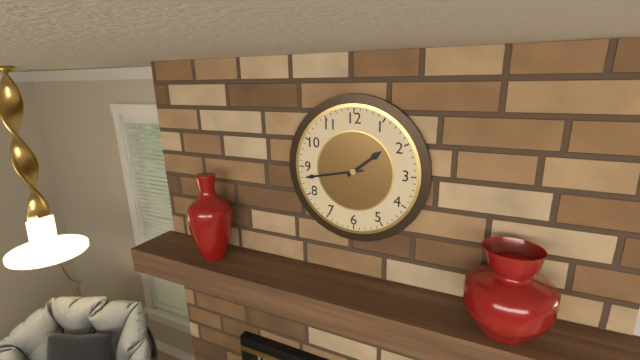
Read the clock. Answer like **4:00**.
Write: **1:43**
